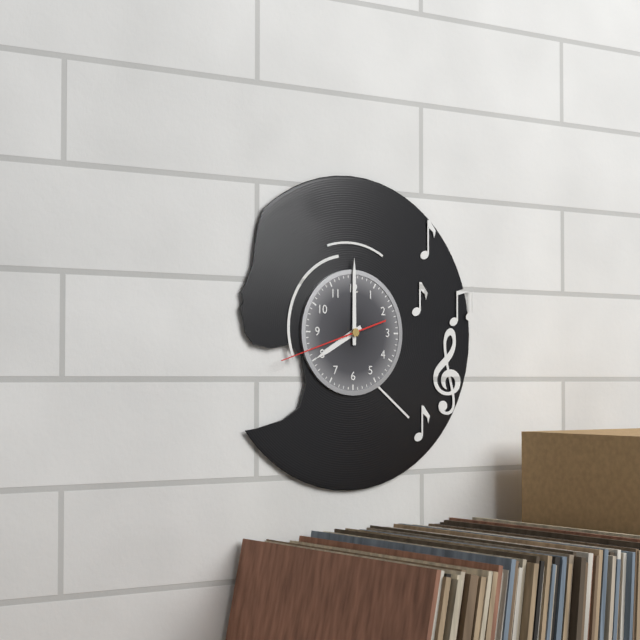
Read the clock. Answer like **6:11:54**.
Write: **8:00:42**
